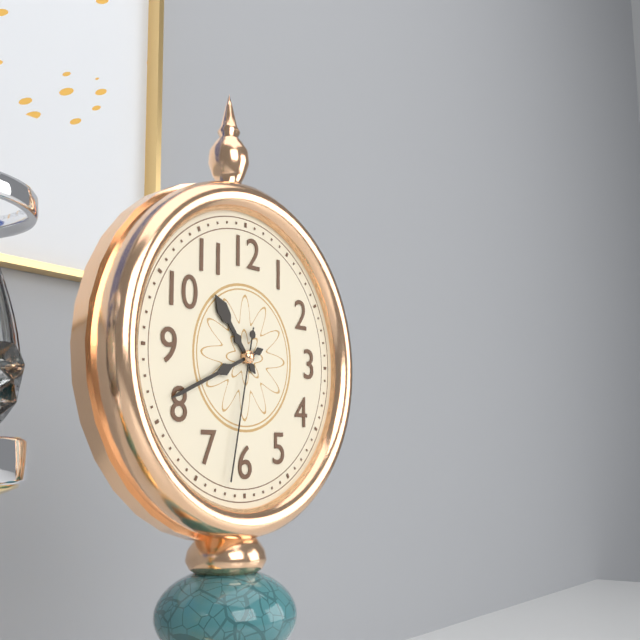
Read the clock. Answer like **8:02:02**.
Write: **10:41:32**
